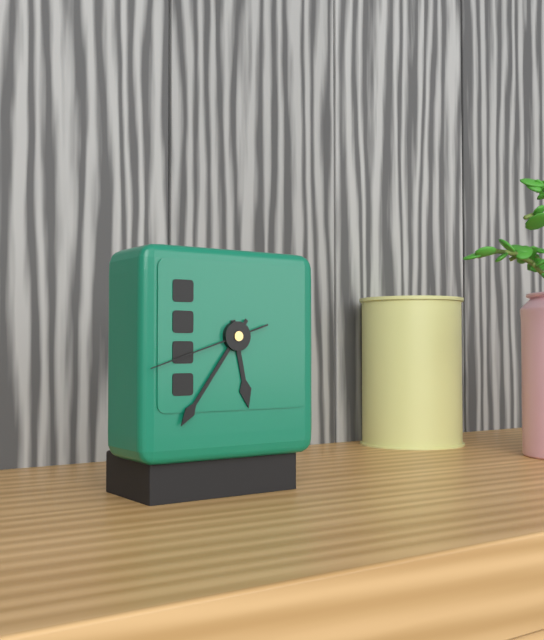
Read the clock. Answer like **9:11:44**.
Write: **5:36:42**
